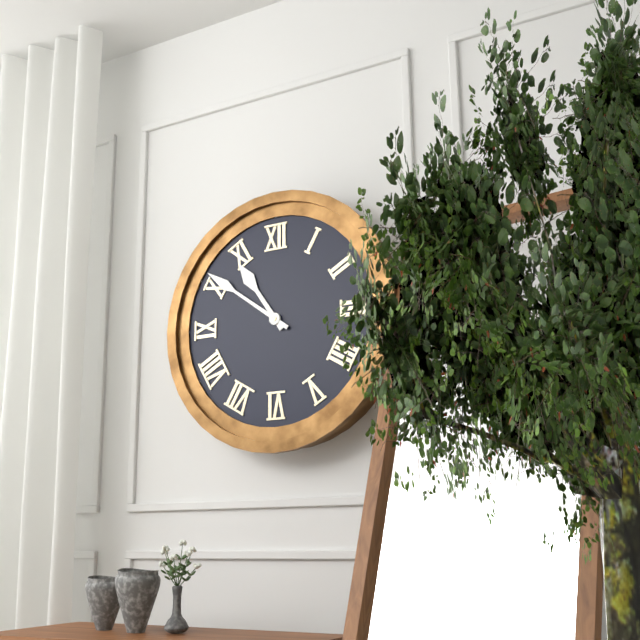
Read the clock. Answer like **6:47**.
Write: **10:51**
